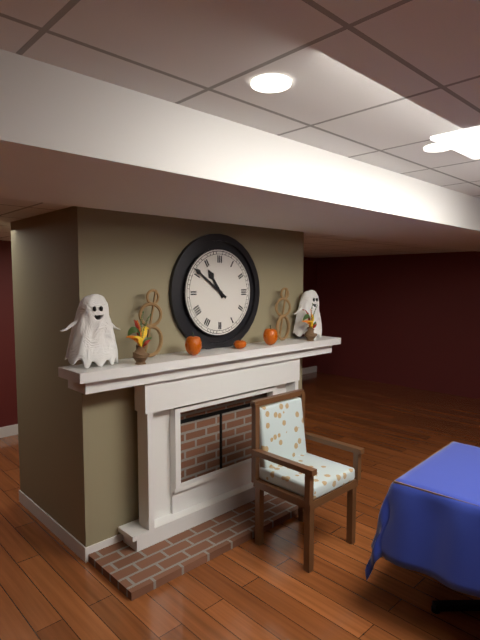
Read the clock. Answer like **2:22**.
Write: **10:51**
